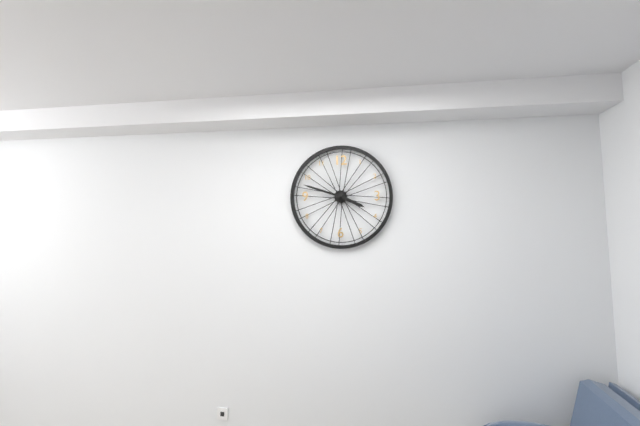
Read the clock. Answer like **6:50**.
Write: **3:48**
